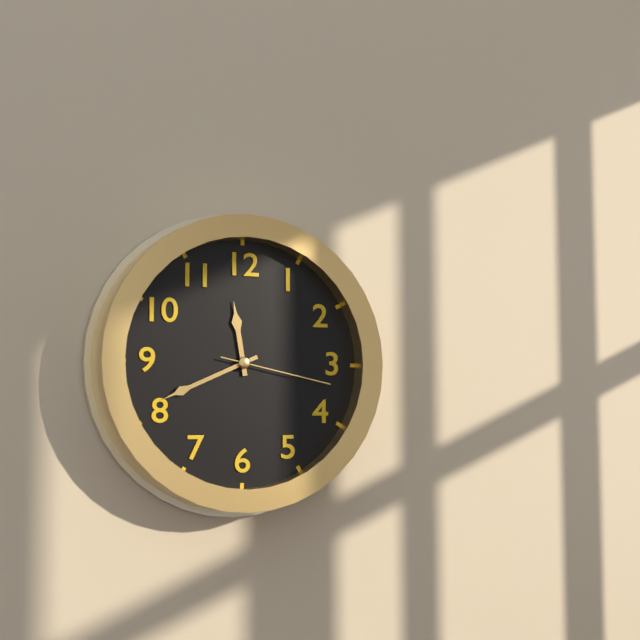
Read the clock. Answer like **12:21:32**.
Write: **11:41:17**
